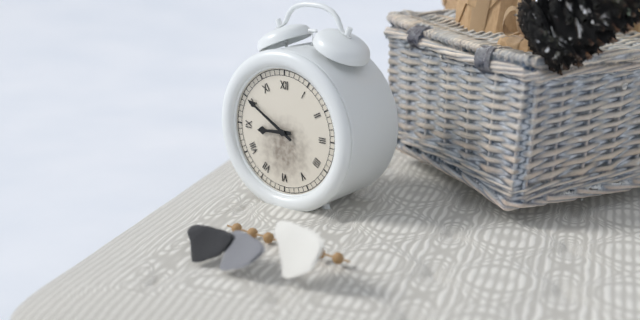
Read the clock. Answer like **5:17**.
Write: **8:50**
